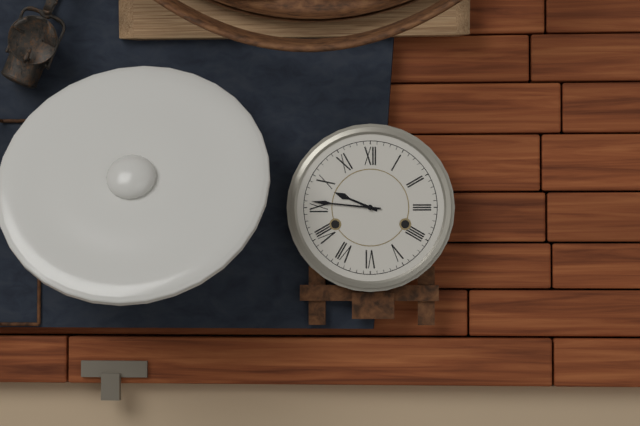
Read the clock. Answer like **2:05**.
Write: **9:46**
